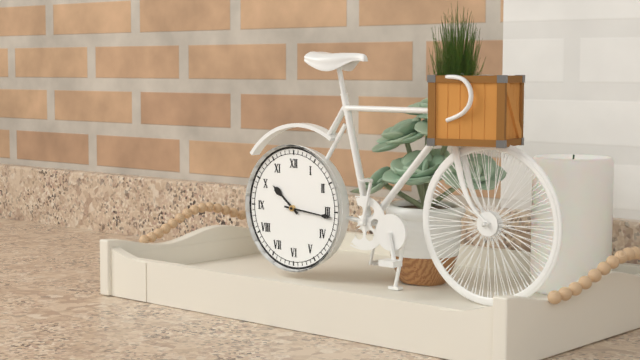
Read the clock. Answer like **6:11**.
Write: **10:16**
